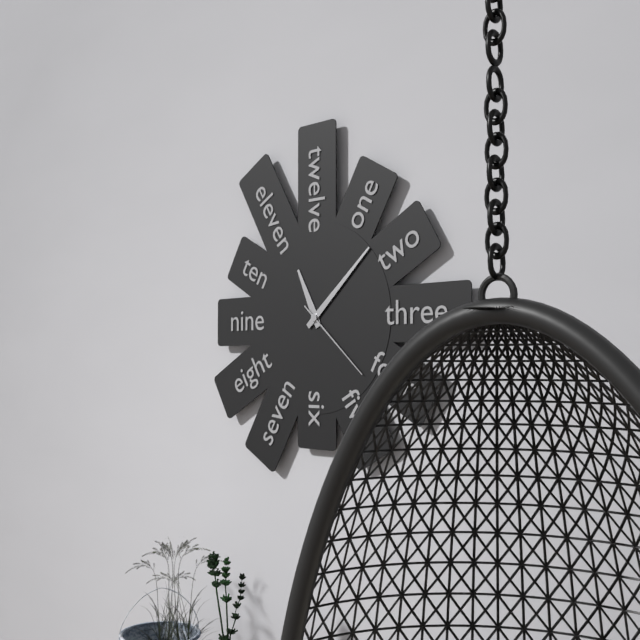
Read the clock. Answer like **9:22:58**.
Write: **11:08:22**
